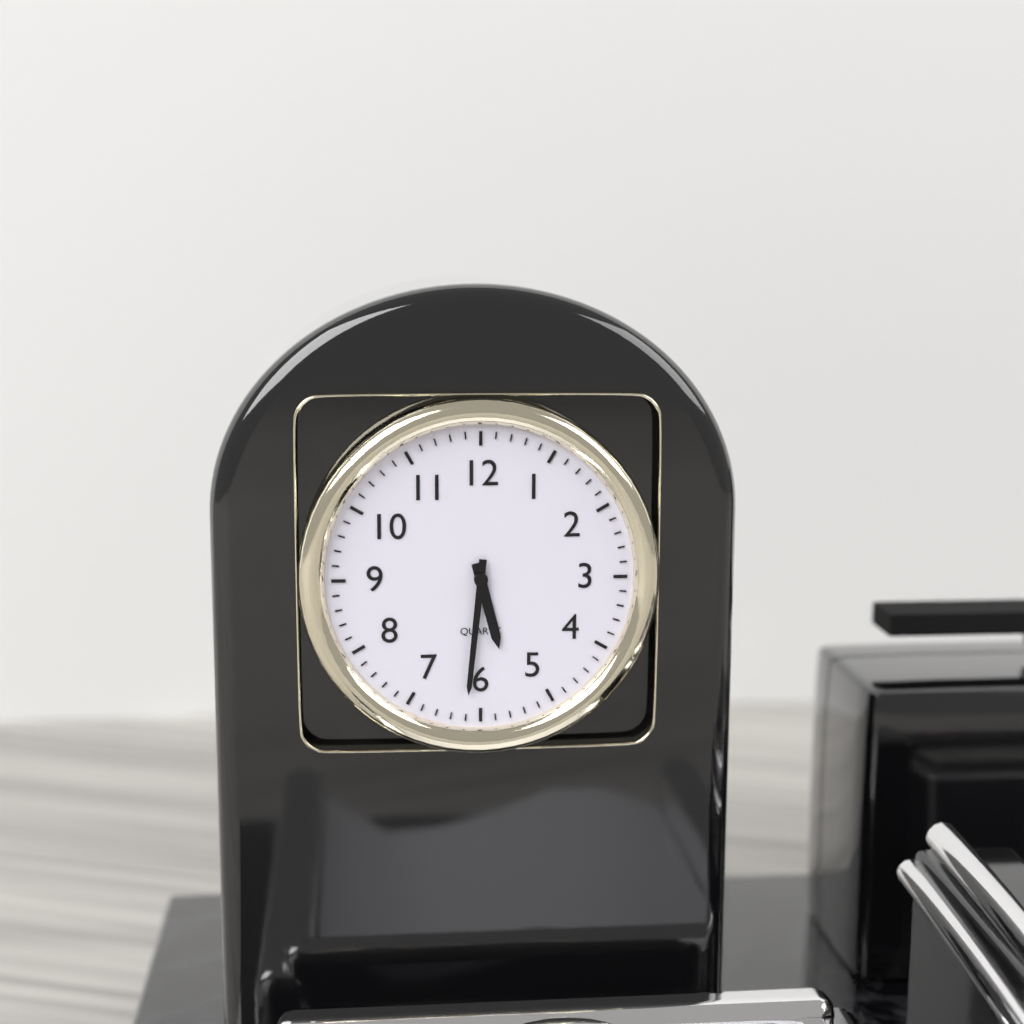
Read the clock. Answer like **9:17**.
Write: **5:31**
